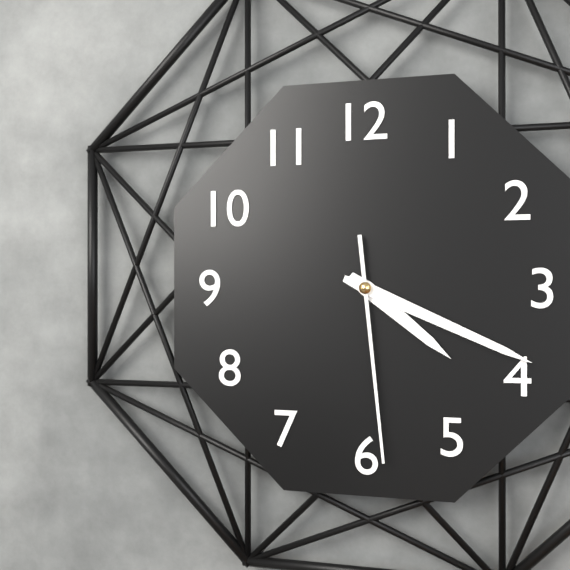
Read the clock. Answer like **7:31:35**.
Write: **4:19:29**
